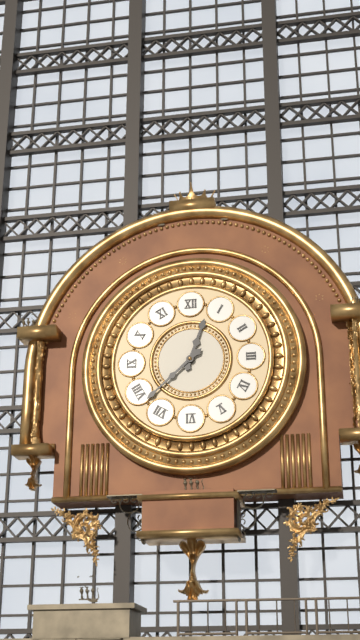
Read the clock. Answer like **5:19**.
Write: **12:38**
